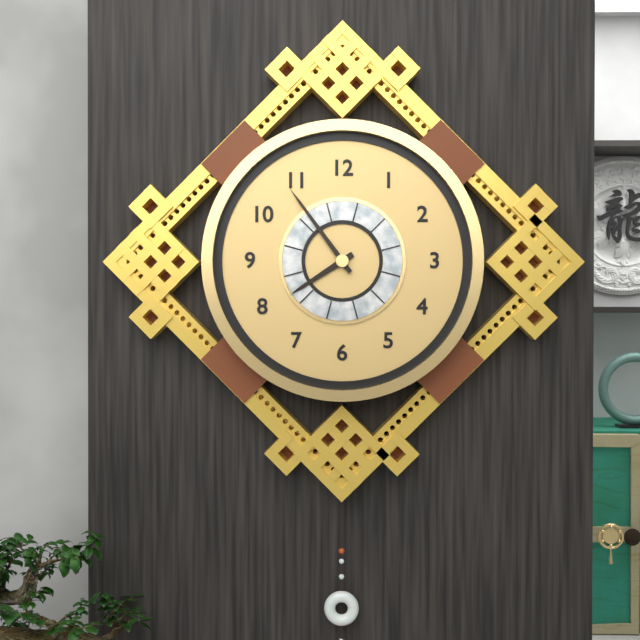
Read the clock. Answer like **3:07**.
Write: **7:54**
